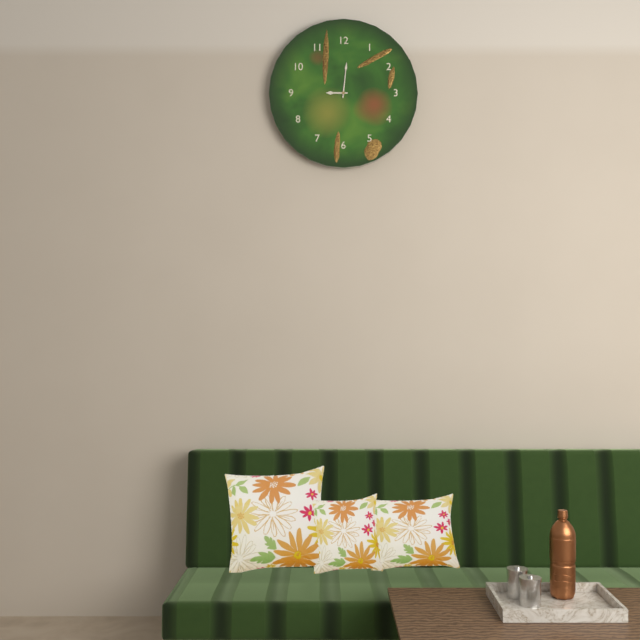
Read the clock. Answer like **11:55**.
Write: **9:01**
